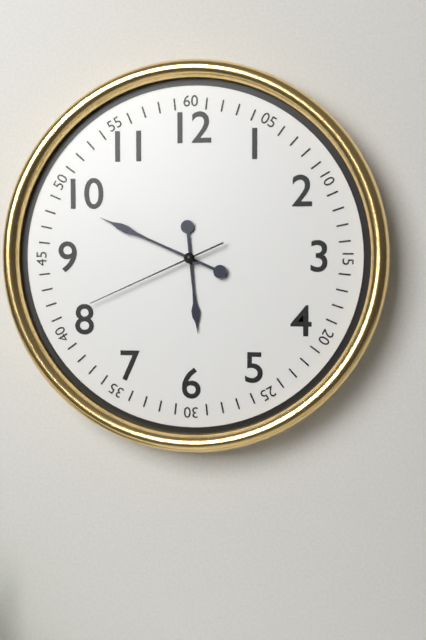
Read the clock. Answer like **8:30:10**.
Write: **5:49:41**
